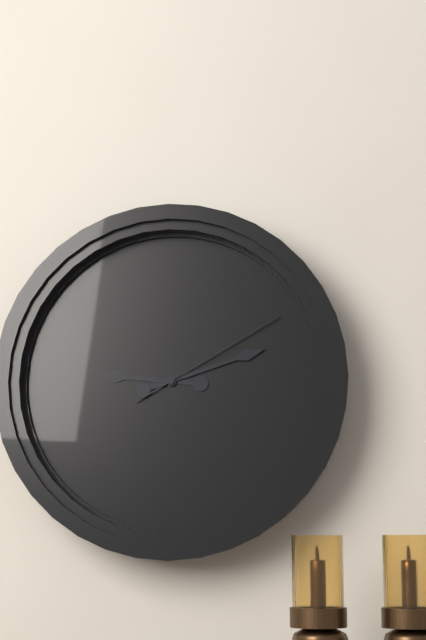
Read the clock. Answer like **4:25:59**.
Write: **9:12:10**
